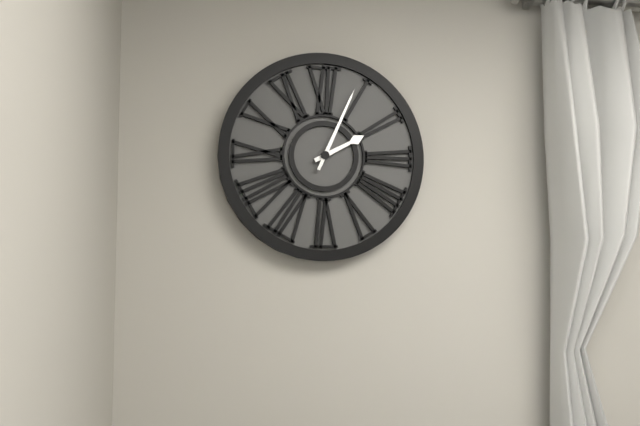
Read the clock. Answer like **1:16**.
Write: **2:04**
